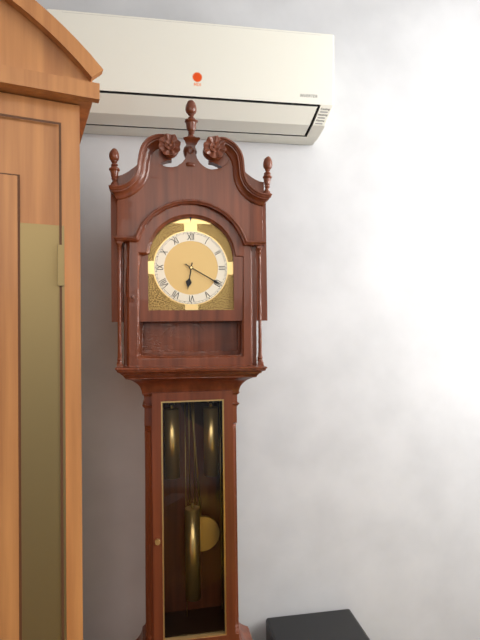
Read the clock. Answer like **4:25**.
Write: **6:20**
